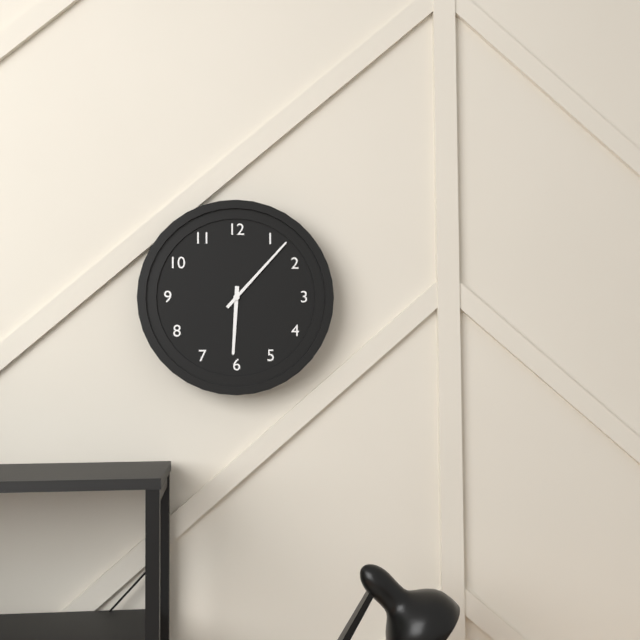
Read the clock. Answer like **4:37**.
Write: **6:07**
